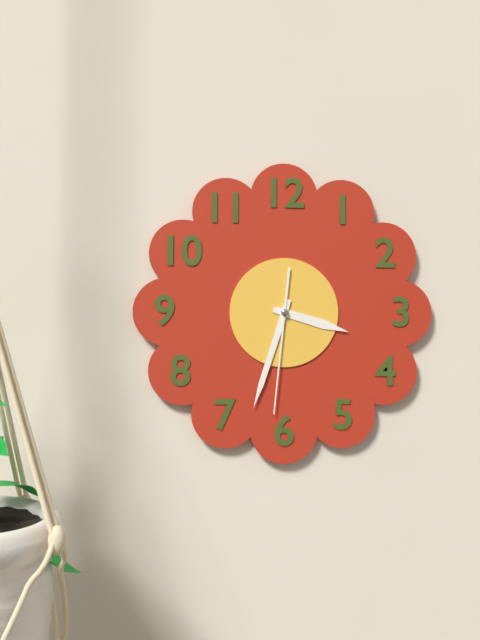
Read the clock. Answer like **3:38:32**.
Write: **3:33:31**
